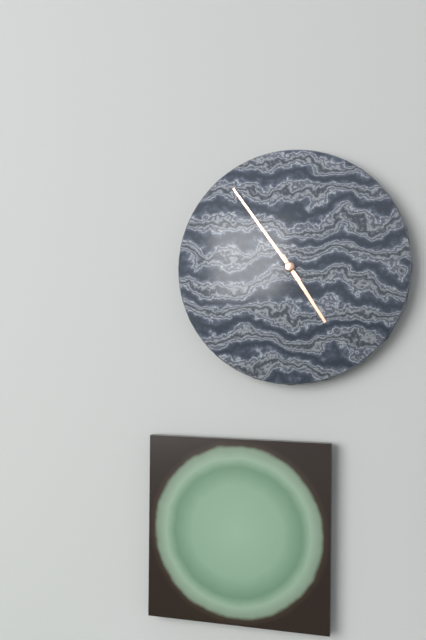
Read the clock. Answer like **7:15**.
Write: **4:54**
